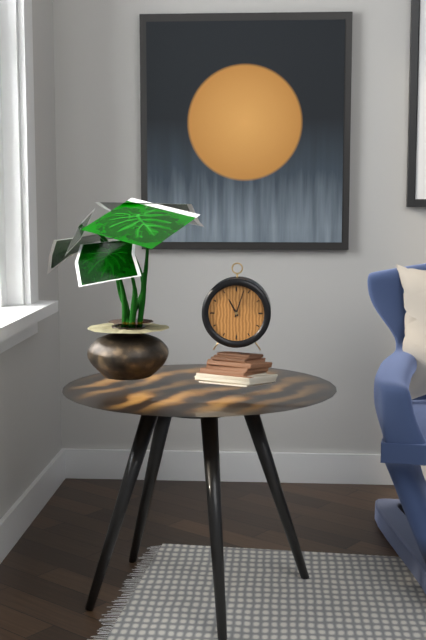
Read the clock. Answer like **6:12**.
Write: **11:03**
